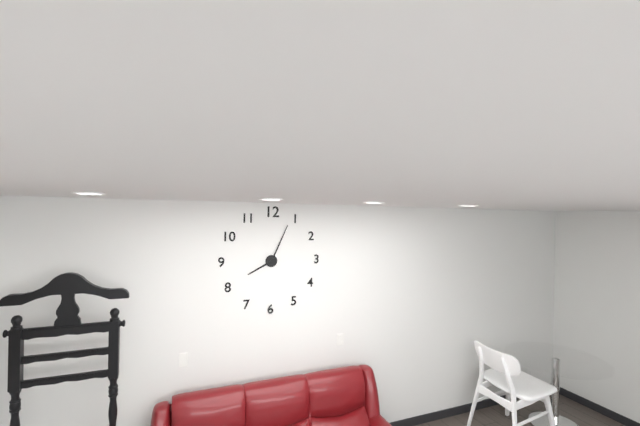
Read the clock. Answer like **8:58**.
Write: **8:04**
